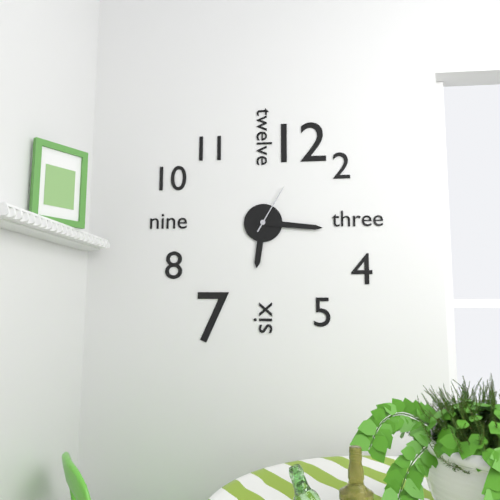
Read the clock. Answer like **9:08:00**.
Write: **6:16:05**
